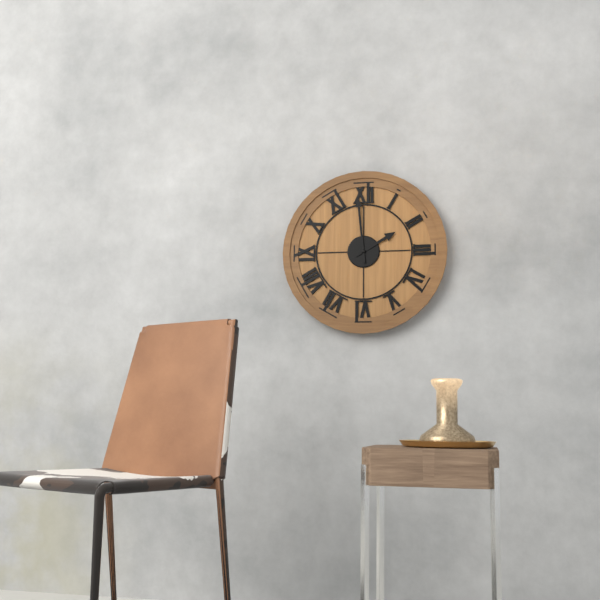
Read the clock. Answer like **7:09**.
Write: **1:59**
